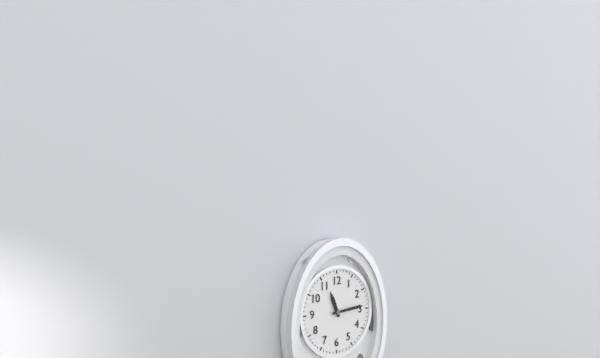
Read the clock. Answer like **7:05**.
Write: **11:14**
